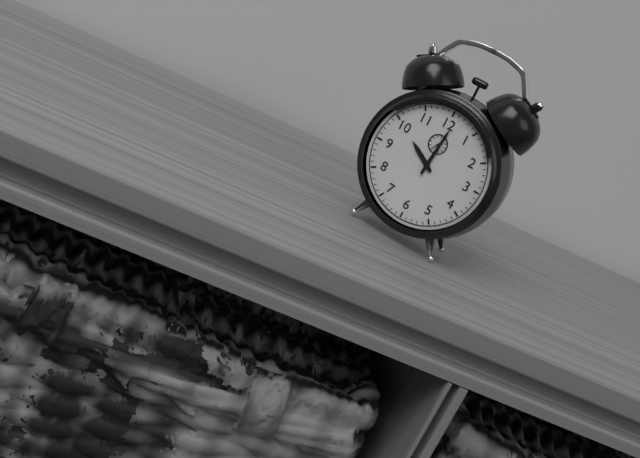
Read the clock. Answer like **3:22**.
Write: **10:01**
